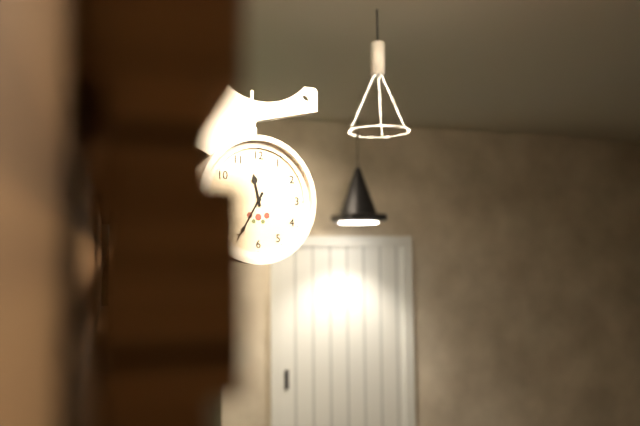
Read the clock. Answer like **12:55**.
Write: **11:35**
